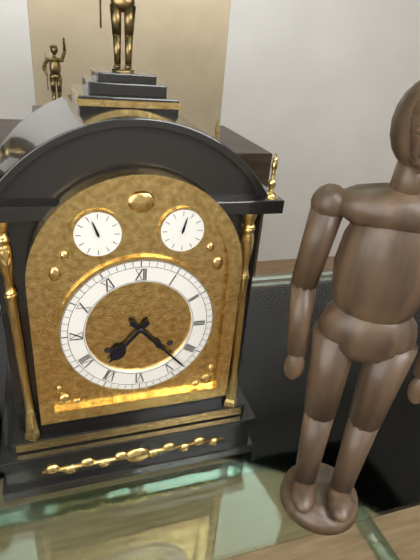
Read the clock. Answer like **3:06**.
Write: **7:23**
